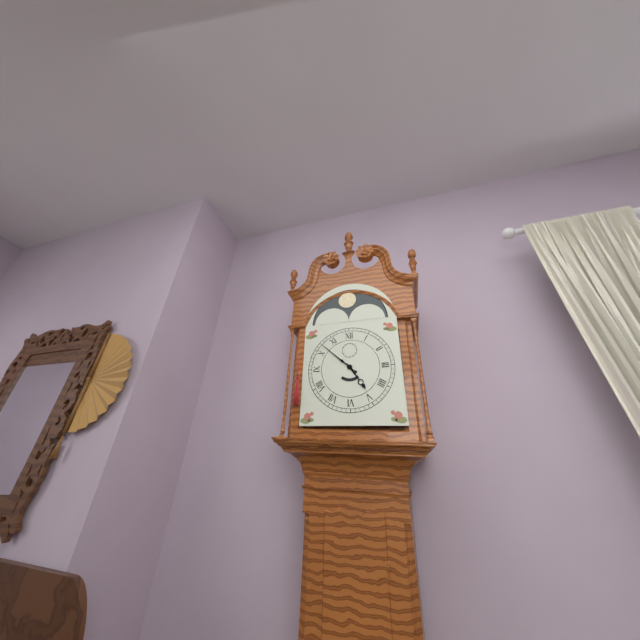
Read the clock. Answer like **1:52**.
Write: **4:52**
